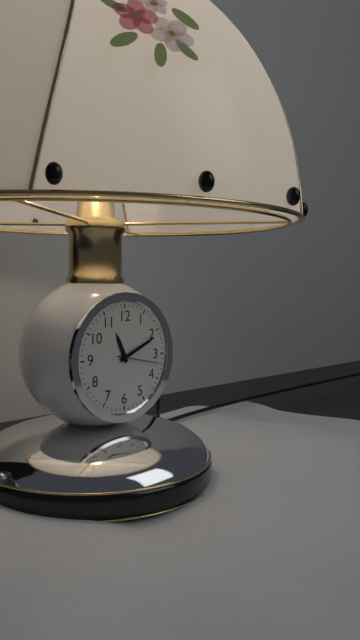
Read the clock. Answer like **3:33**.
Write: **11:11**
